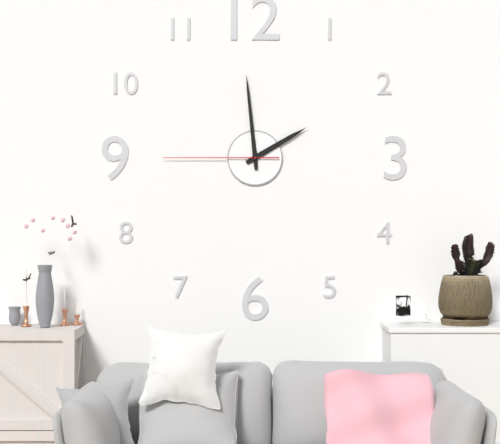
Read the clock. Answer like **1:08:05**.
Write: **1:59:45**
